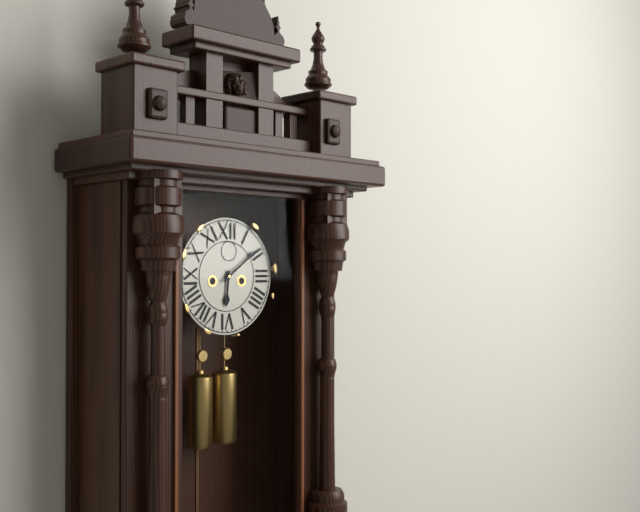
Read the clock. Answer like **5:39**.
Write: **6:09**
